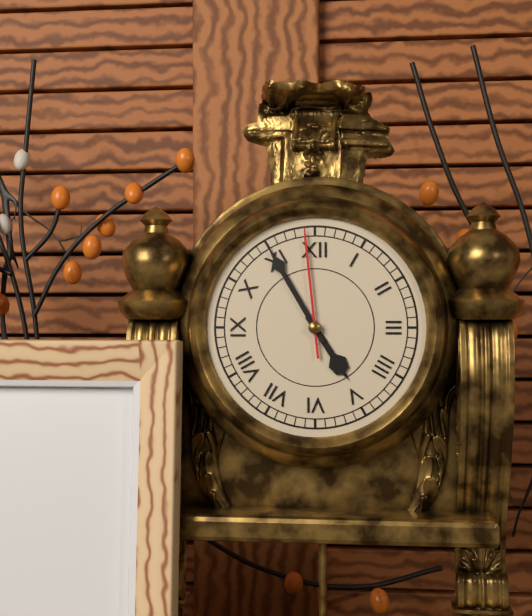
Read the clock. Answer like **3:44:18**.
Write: **4:55:59**
